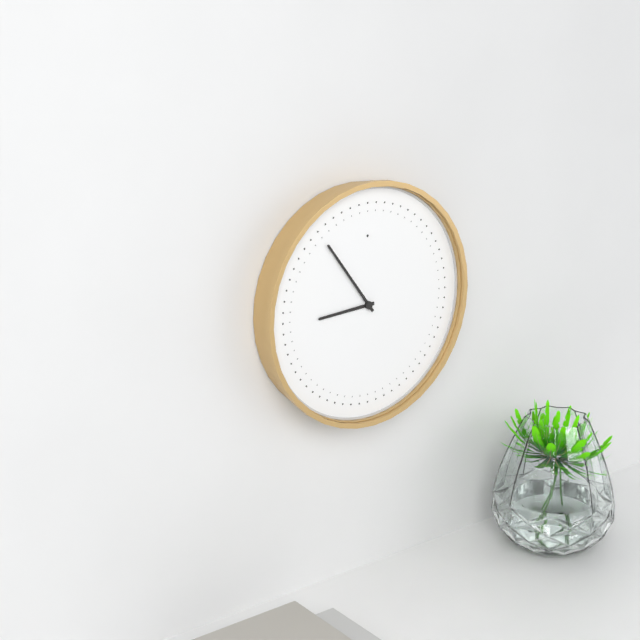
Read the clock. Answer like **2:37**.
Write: **8:54**
